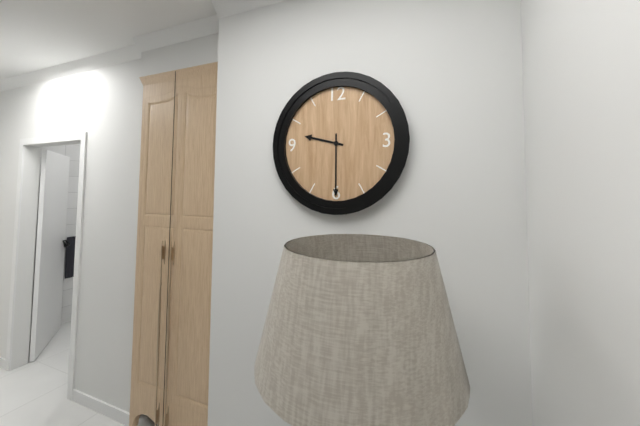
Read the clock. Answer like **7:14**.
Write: **9:30**
